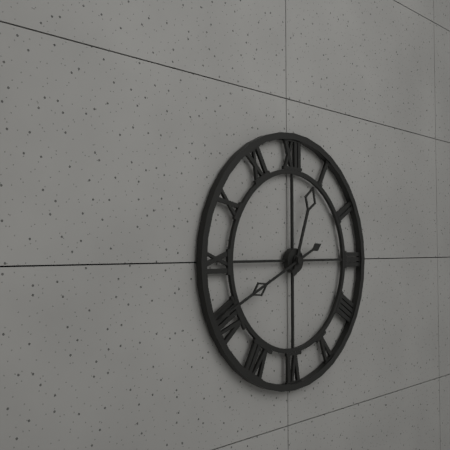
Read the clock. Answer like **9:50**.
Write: **12:41**
